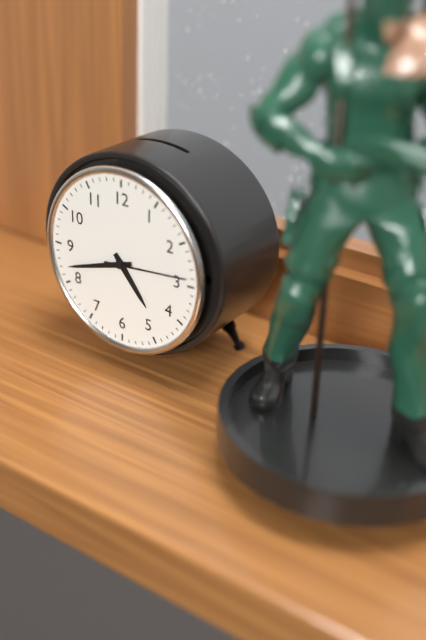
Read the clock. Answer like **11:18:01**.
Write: **4:42:14**
